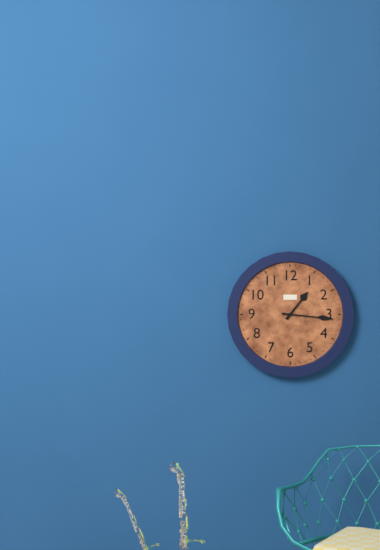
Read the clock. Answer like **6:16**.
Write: **1:16**
